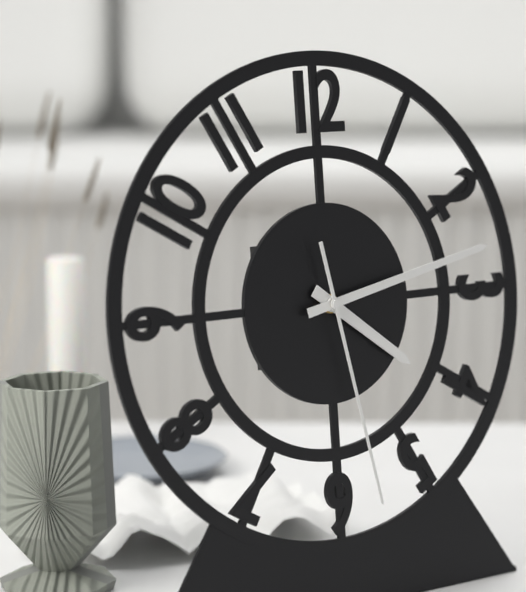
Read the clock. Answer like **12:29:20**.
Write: **4:13:28**
